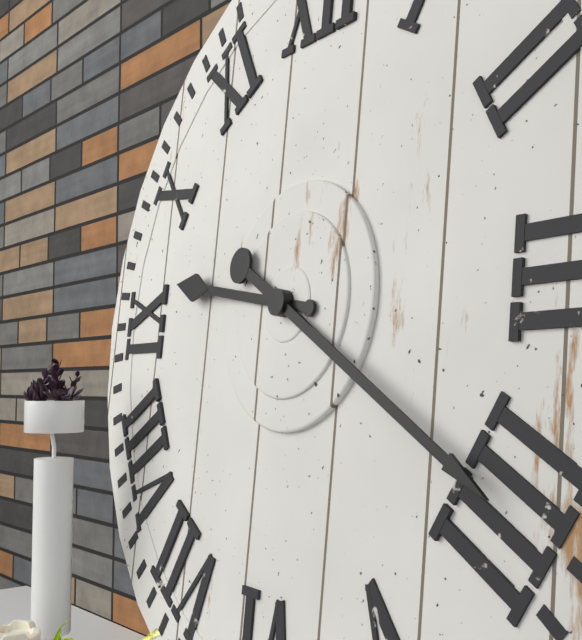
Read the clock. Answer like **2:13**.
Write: **9:20**
